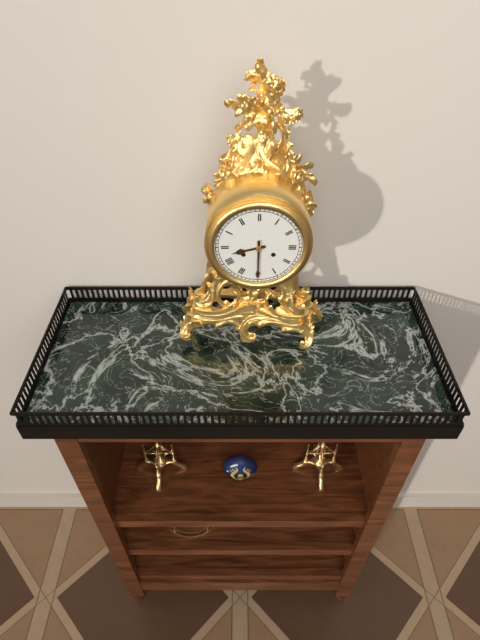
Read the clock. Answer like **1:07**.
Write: **8:30**
